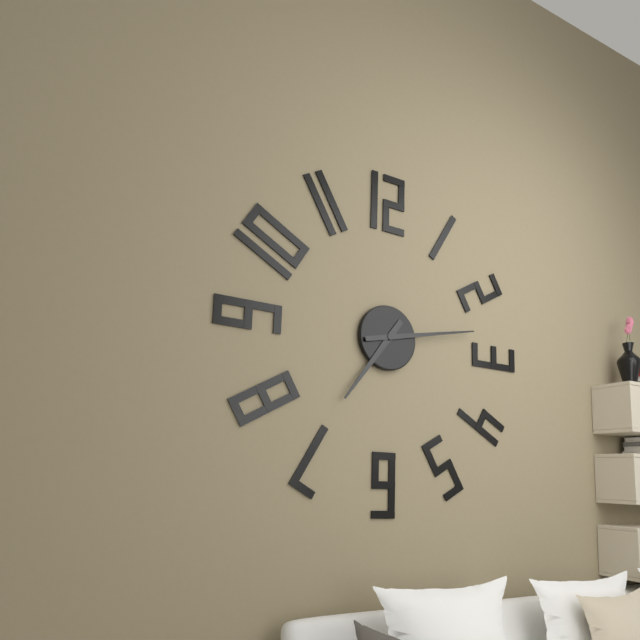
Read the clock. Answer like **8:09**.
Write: **7:13**
